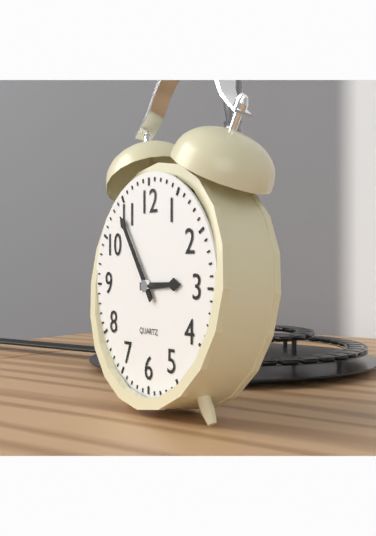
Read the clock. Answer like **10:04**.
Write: **2:54**
